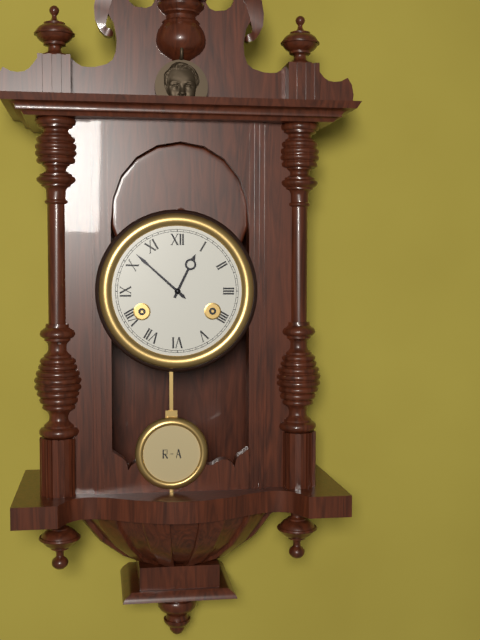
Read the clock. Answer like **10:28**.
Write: **12:52**
